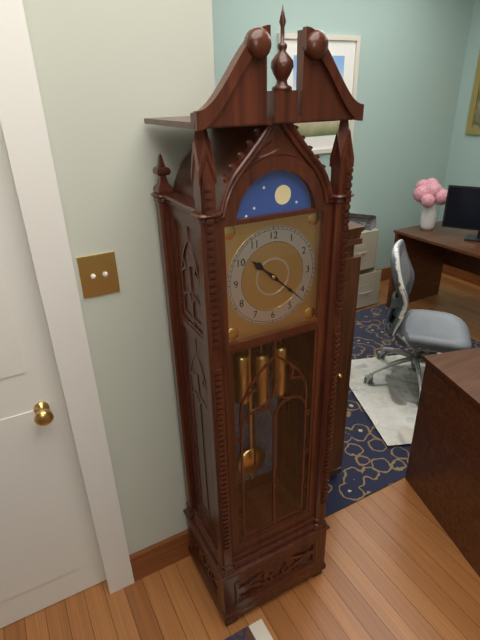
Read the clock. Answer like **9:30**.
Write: **10:22**
